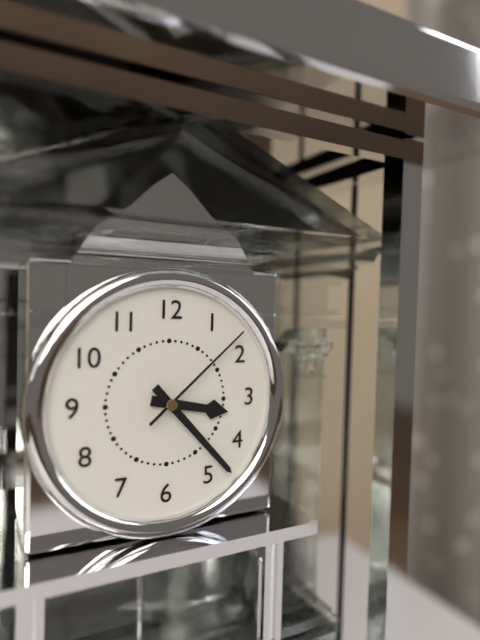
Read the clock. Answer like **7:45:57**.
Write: **3:23:08**
